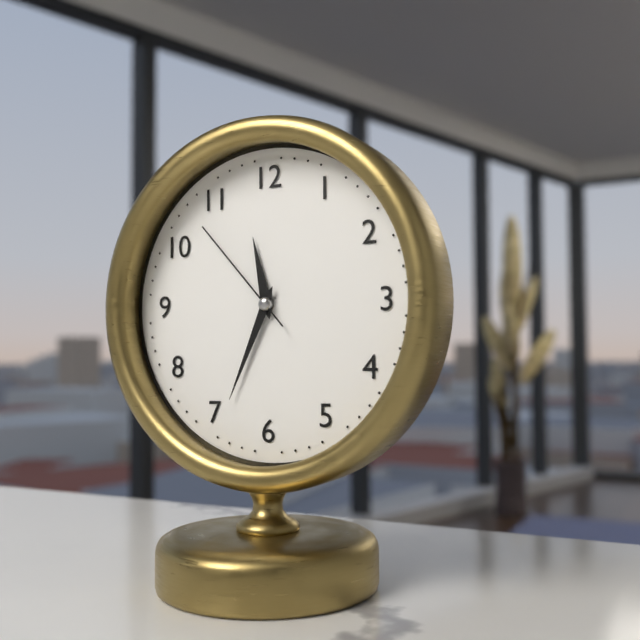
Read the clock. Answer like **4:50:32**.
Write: **11:34:53**
